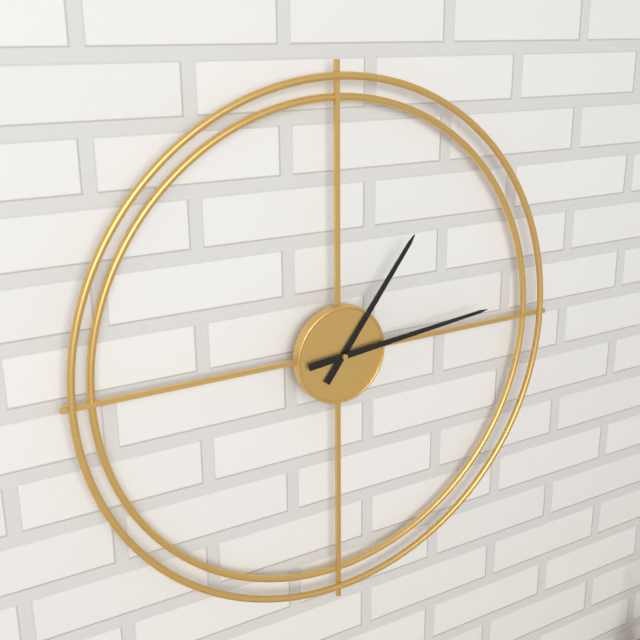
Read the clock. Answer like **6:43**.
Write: **1:14**
